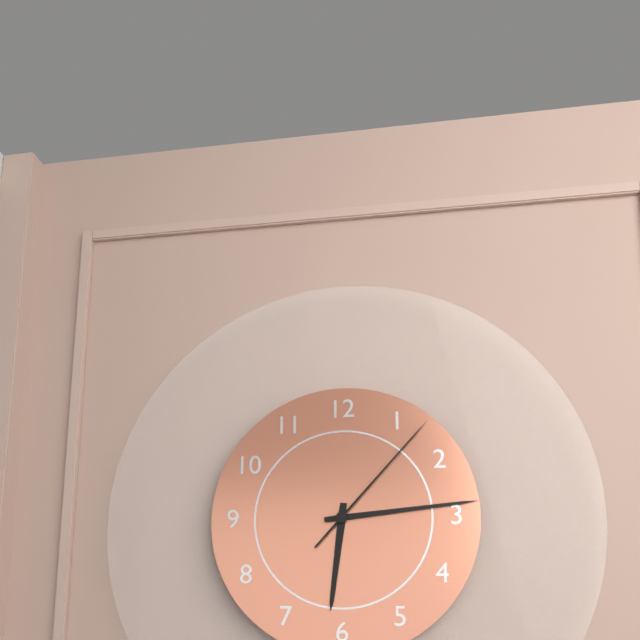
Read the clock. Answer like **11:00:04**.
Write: **6:14:07**
